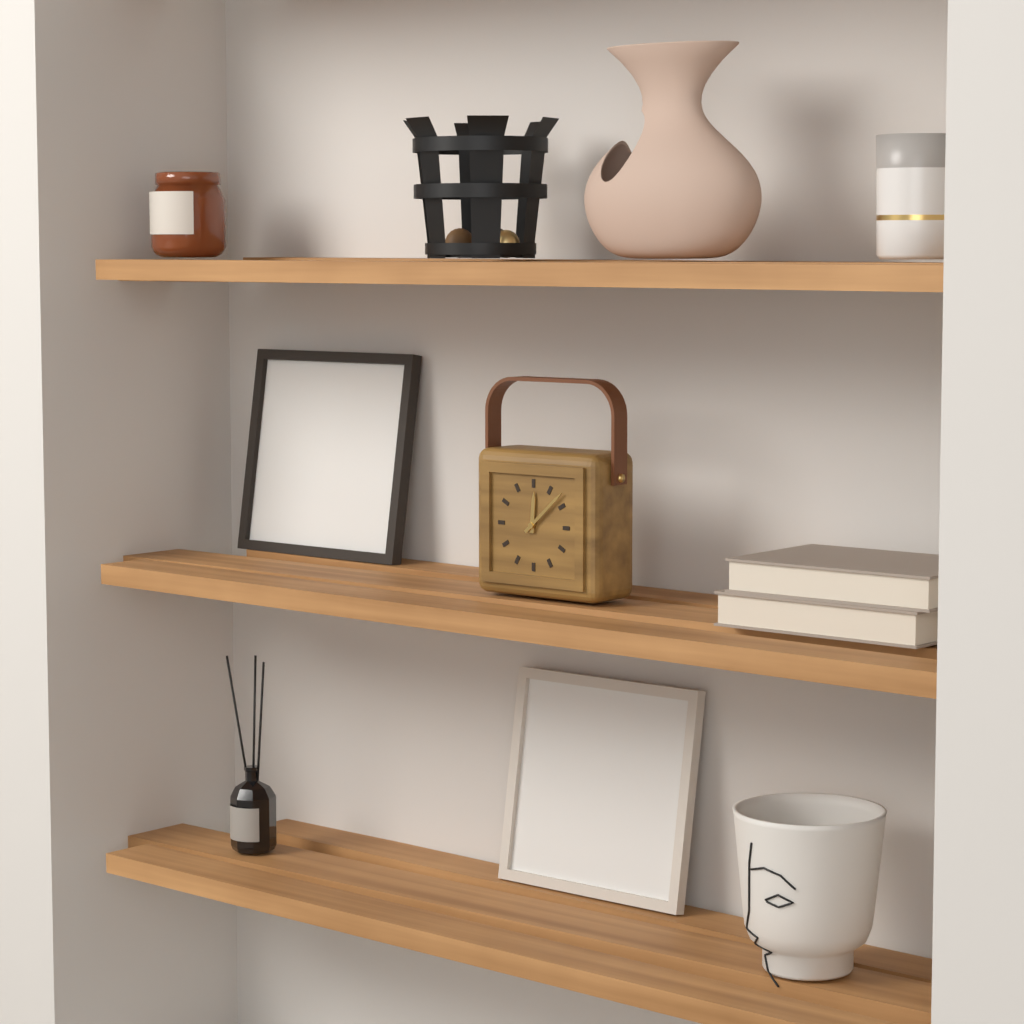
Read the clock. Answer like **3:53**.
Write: **12:08**
